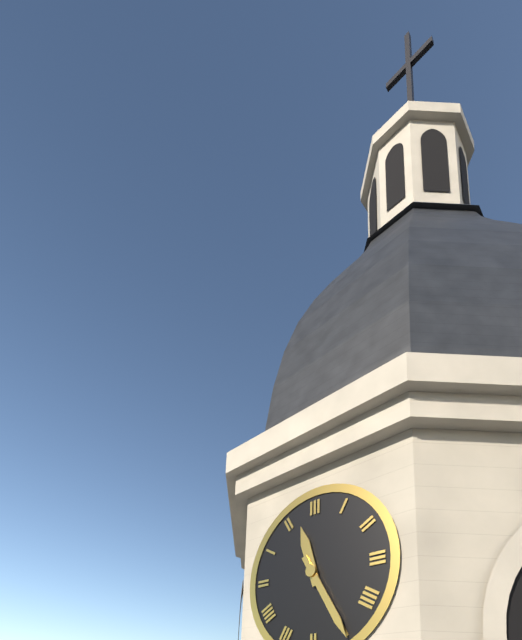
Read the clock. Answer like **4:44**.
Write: **11:25**
